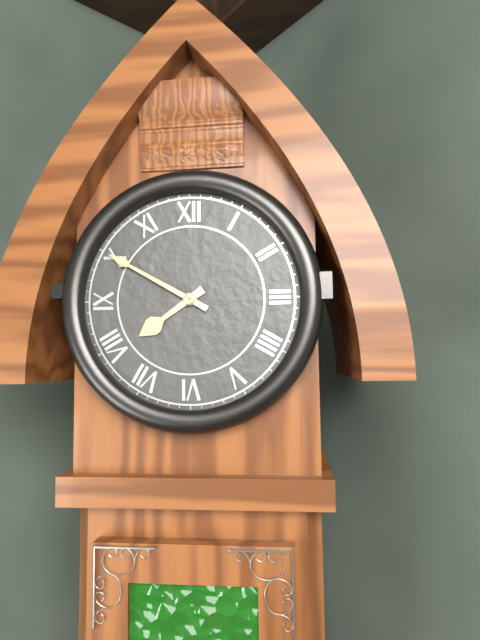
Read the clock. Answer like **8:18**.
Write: **7:50**
